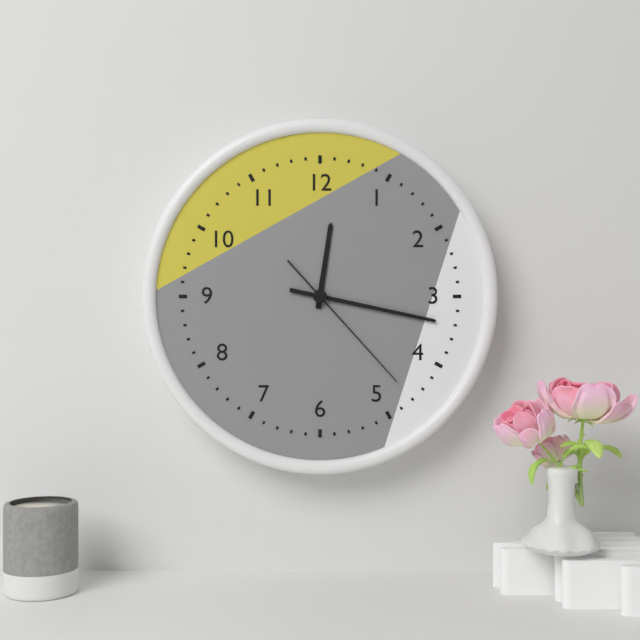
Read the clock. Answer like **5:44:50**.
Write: **12:17:23**
